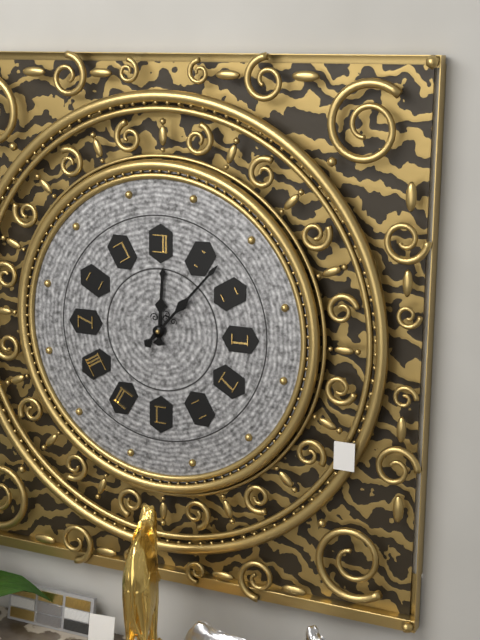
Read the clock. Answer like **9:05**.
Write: **12:07**
